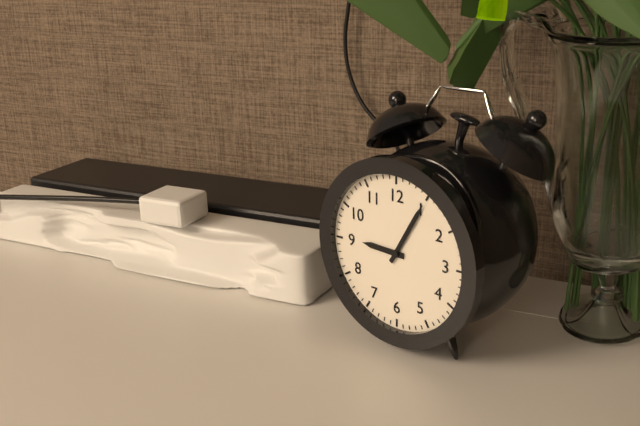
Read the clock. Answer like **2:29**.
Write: **9:05**
